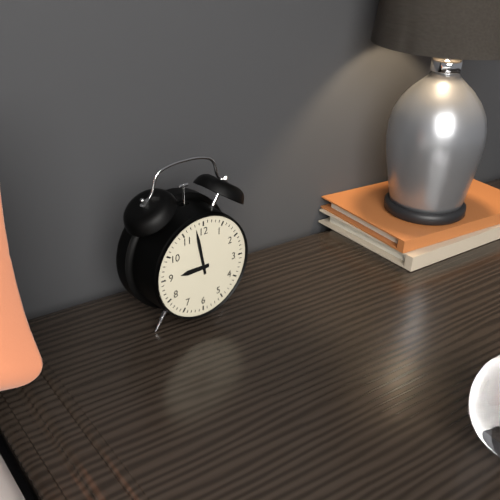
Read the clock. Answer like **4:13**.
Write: **8:58**
